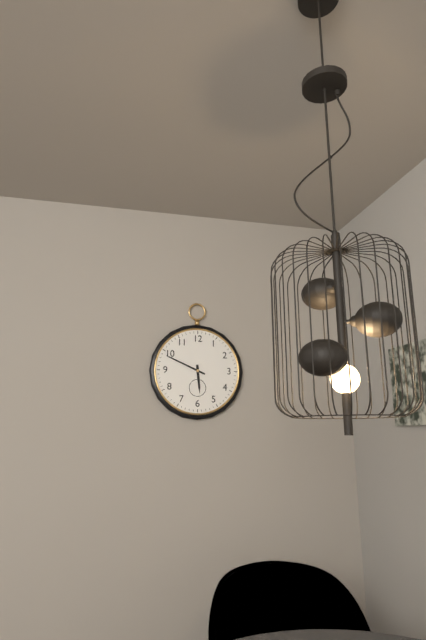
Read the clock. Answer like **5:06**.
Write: **5:49**
